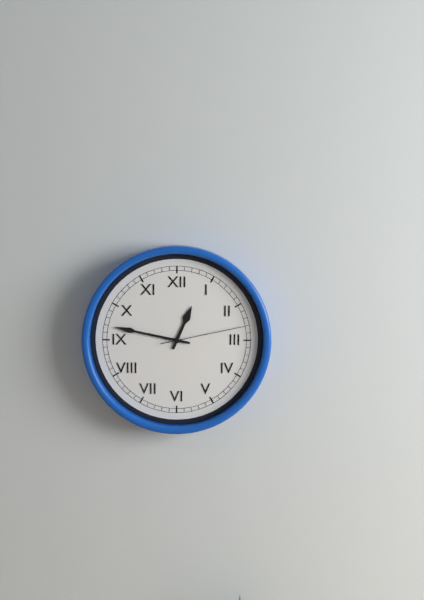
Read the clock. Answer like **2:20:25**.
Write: **12:47:13**
